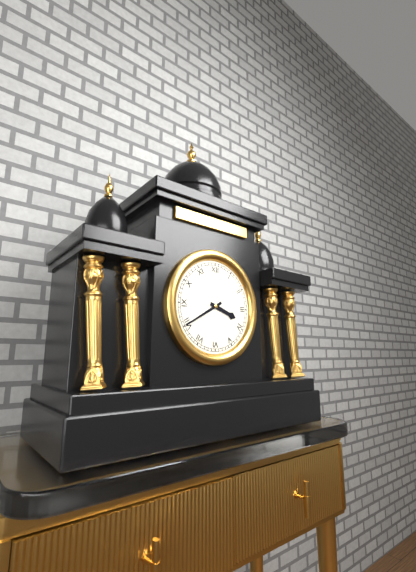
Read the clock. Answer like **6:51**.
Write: **3:40**
